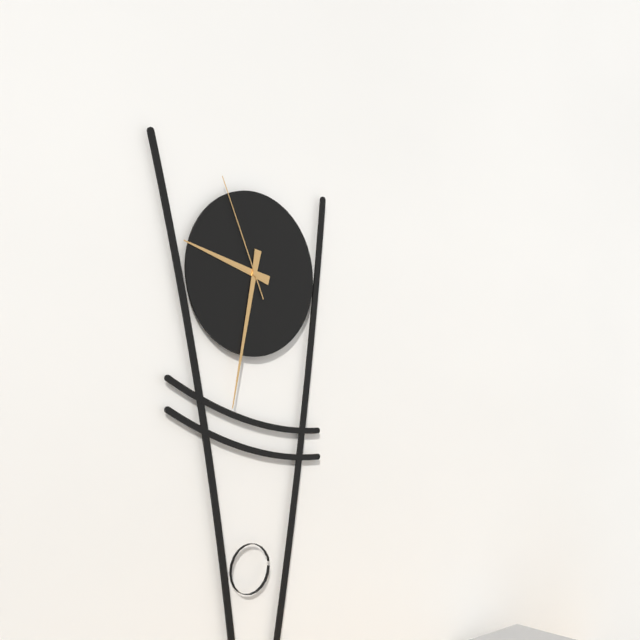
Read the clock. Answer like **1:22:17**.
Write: **9:32:56**
